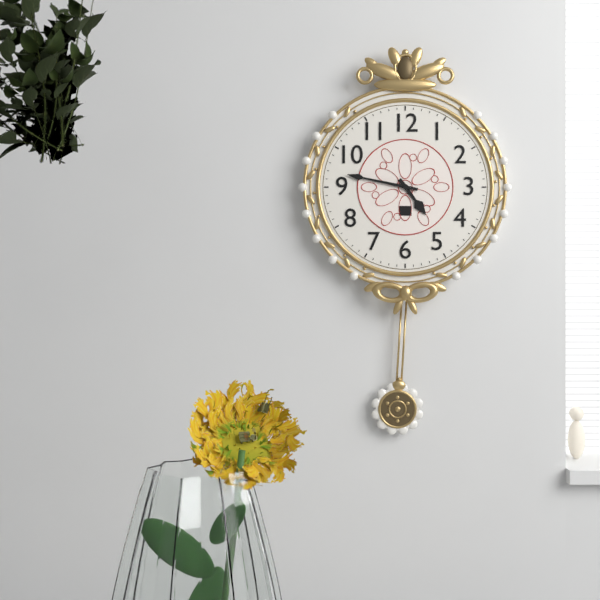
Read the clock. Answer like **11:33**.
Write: **4:47**
